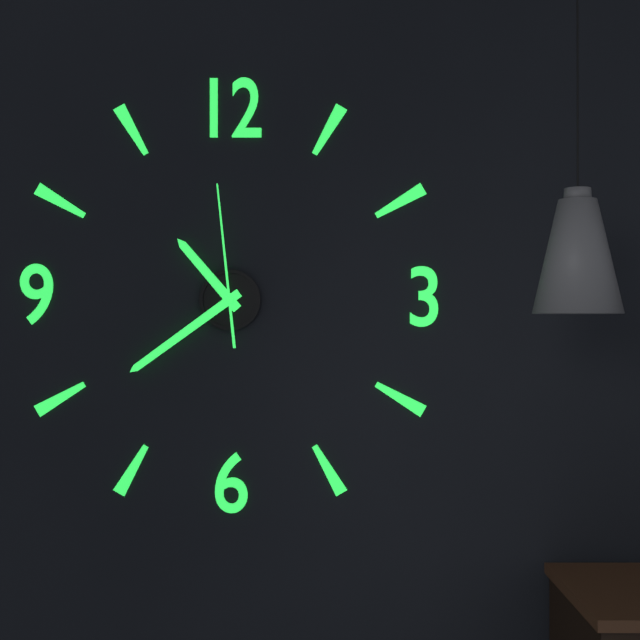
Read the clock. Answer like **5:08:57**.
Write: **10:39:59**
